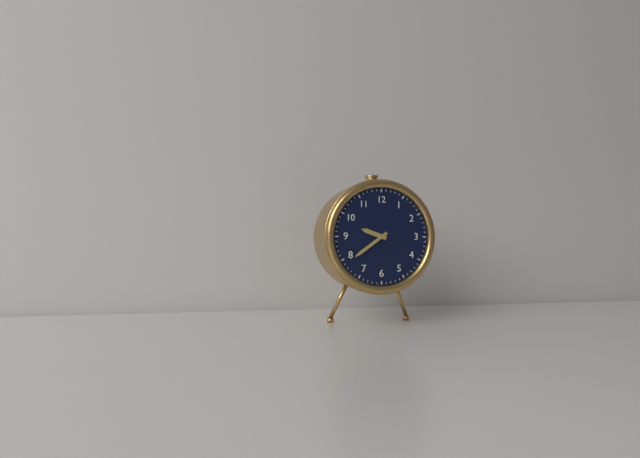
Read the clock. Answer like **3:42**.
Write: **9:39**
